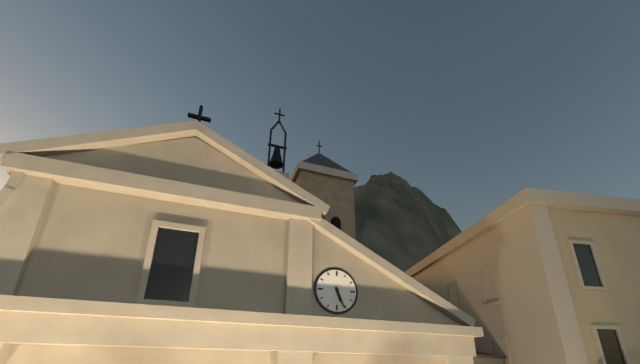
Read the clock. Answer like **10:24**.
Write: **5:26**
